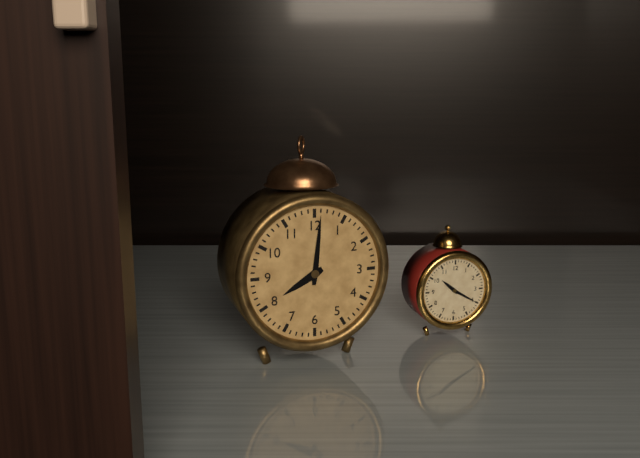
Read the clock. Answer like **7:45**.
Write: **8:01**
